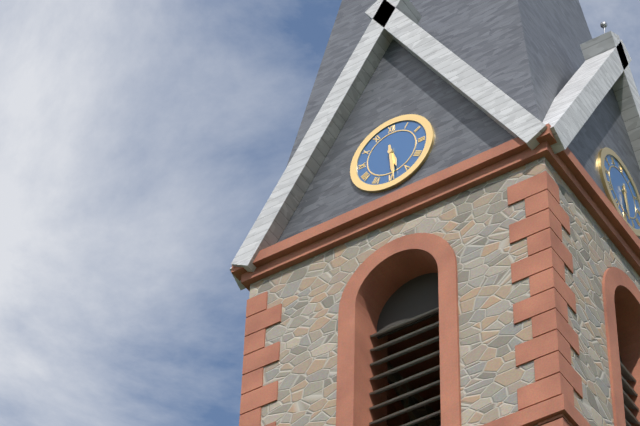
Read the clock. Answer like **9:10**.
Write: **5:29**
